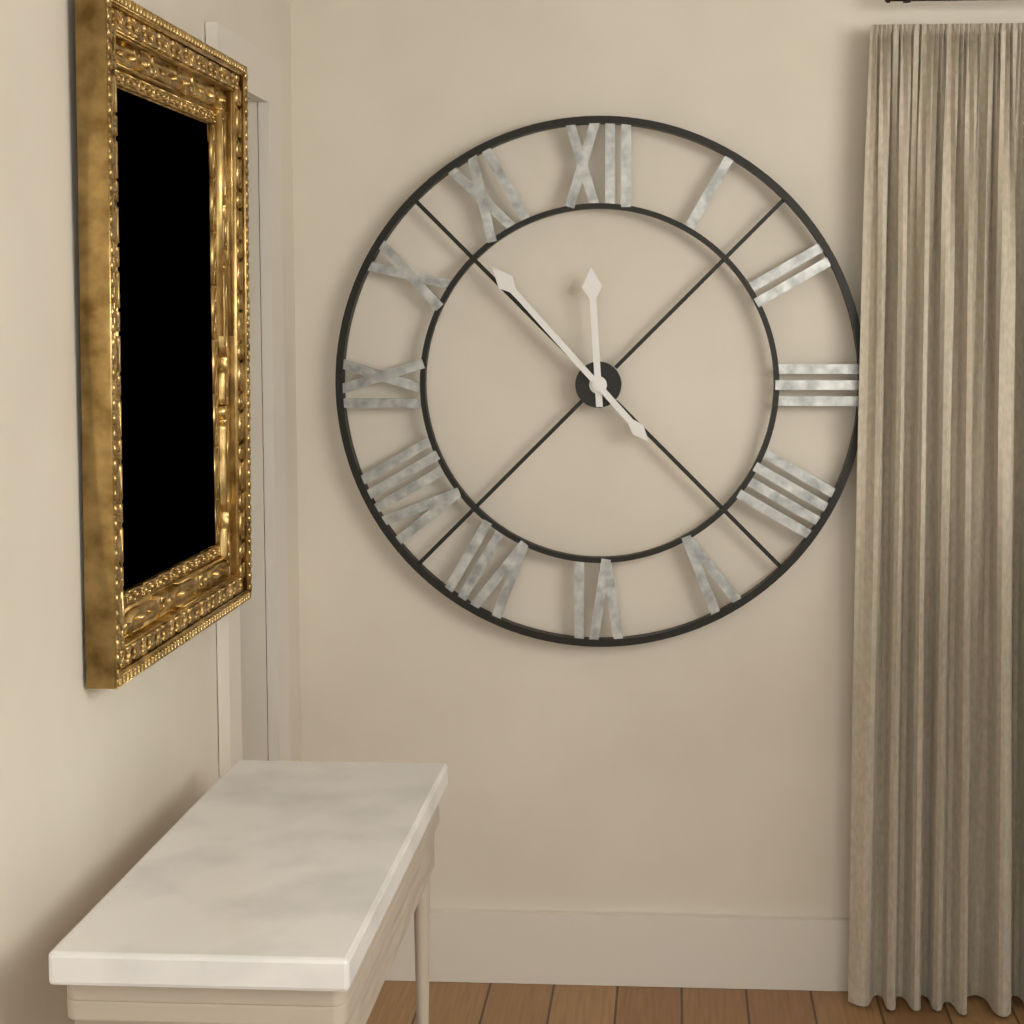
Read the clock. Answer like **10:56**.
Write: **11:53**
